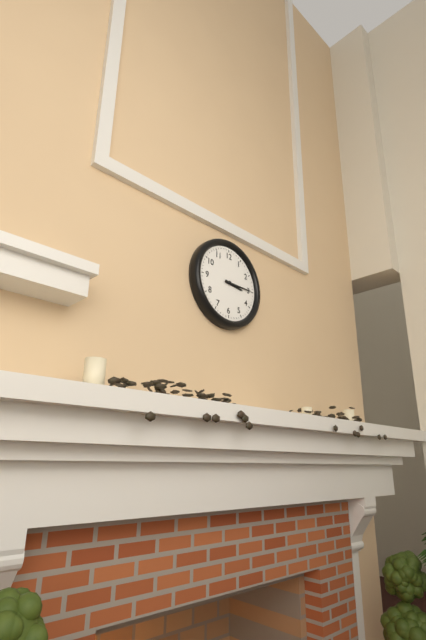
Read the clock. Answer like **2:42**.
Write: **3:15**
